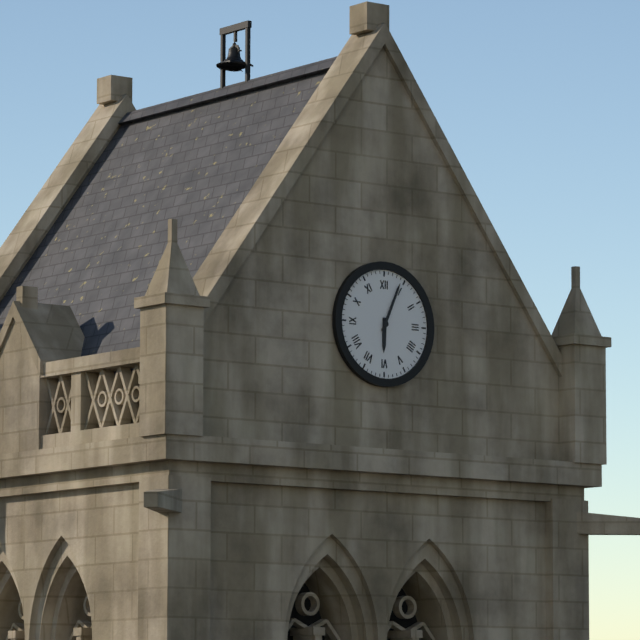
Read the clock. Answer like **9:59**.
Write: **6:04**
